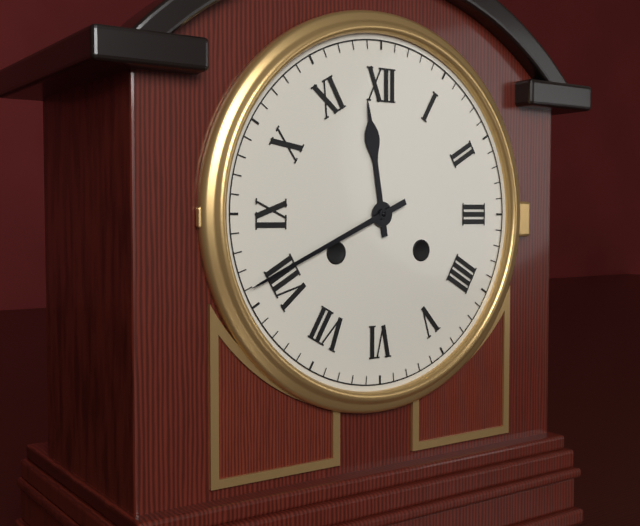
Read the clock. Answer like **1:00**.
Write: **11:41**
